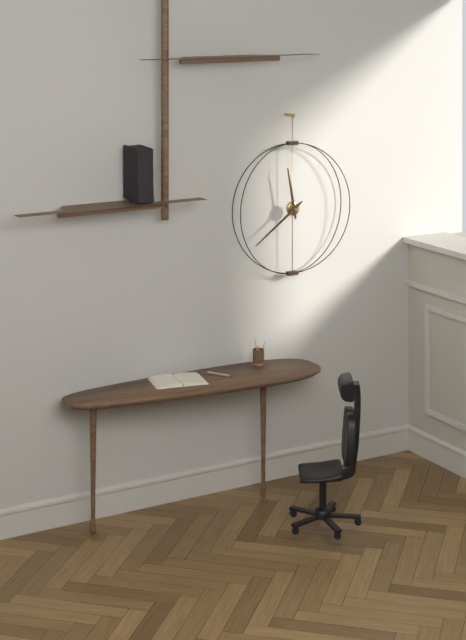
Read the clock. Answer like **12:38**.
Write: **11:39**
